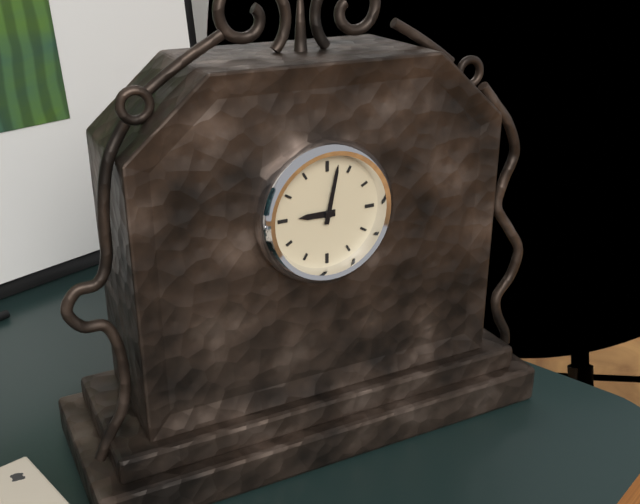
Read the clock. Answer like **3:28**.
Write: **9:02**
